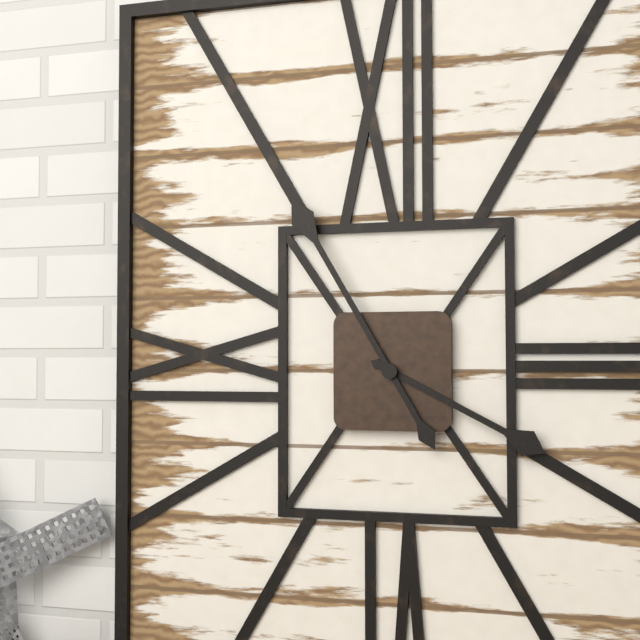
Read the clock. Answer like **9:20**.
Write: **3:55**
